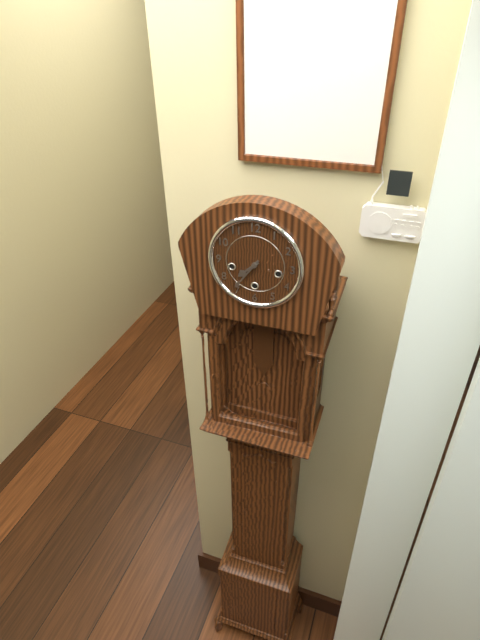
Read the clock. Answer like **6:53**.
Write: **7:36**
